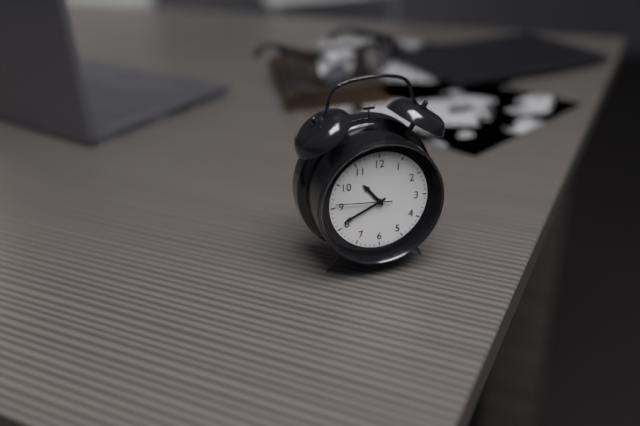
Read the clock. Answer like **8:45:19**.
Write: **10:41:46**
